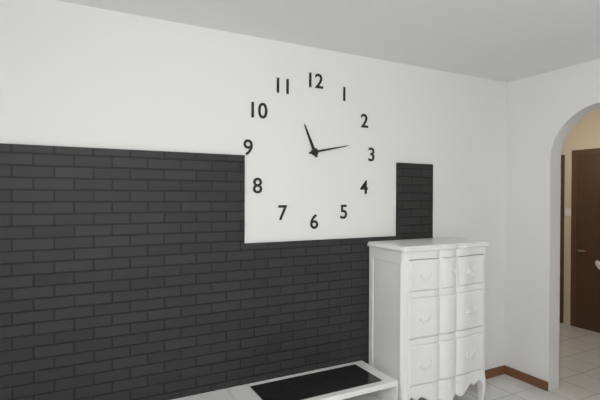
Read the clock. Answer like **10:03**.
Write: **11:13**
